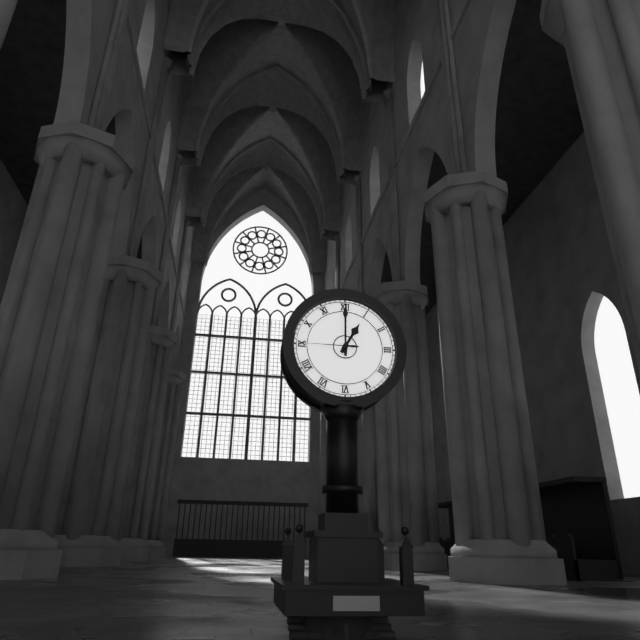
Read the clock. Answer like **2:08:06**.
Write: **1:00:45**
